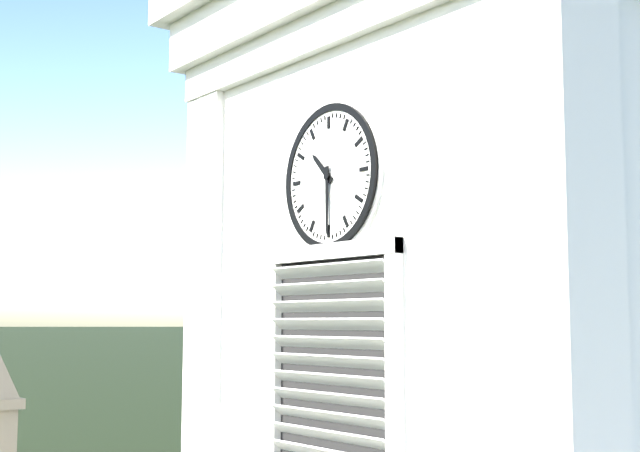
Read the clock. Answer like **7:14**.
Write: **10:30**
